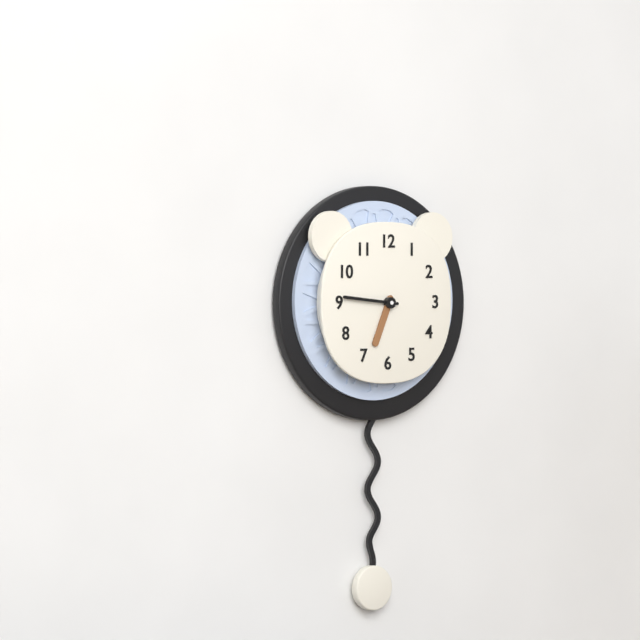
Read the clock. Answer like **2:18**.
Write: **6:46**
